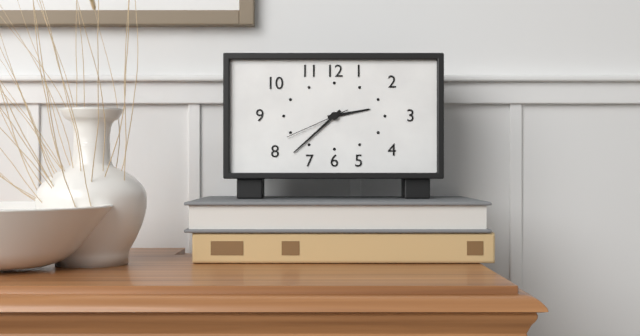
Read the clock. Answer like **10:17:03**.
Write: **2:38:41**
